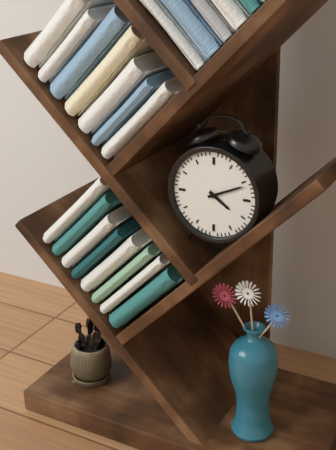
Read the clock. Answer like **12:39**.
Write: **4:11**
